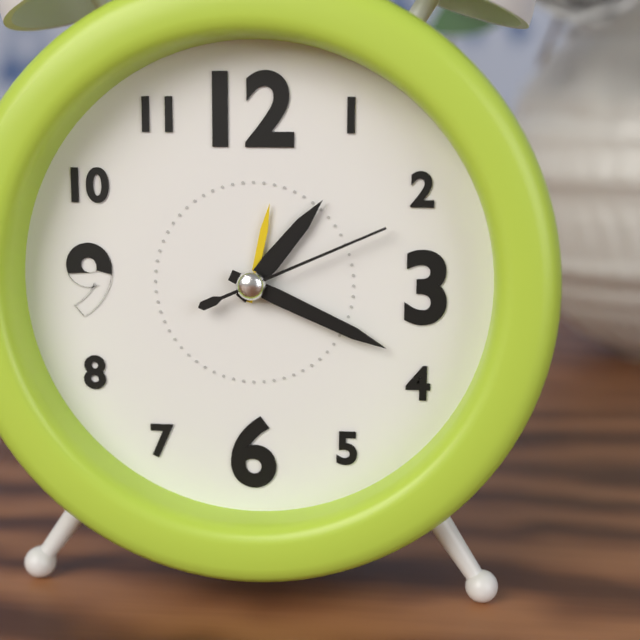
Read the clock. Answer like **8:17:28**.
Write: **1:19:11**
